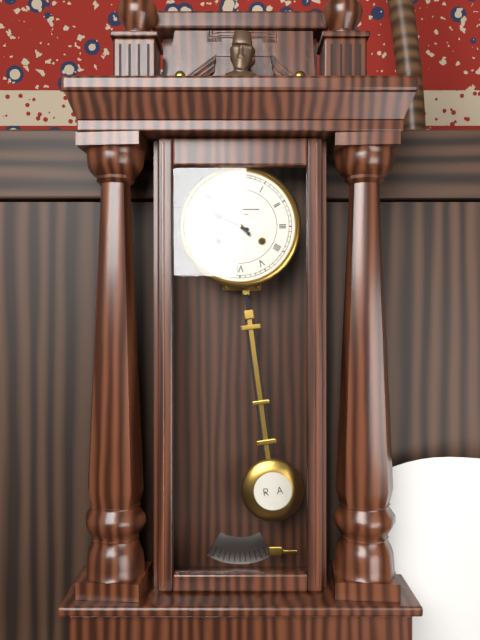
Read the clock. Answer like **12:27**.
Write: **9:52**
